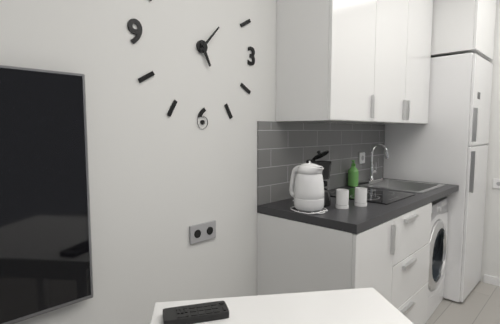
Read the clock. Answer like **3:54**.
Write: **5:07**
